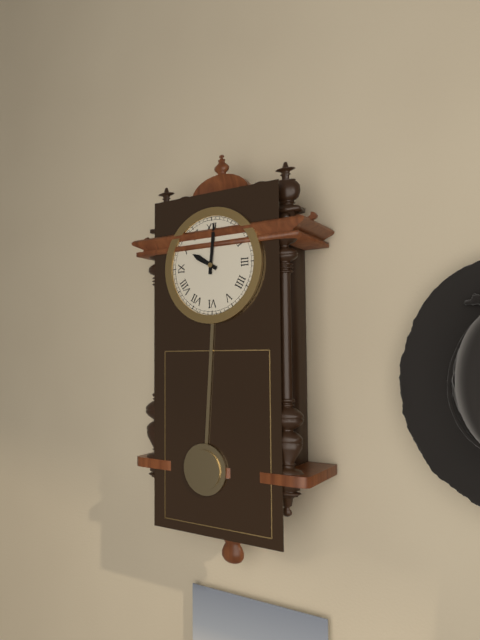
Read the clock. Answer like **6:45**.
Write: **10:01**
